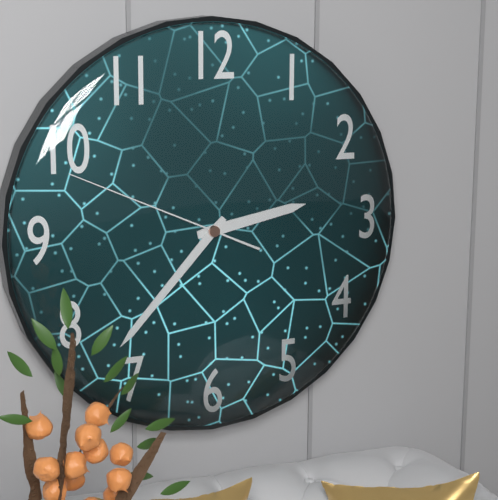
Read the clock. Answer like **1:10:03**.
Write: **2:37:49**
